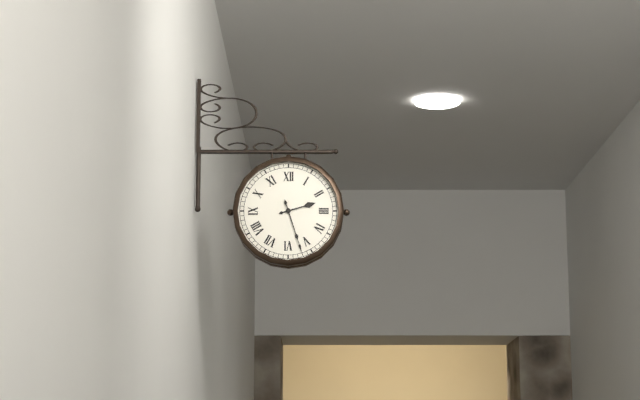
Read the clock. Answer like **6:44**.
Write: **2:27**
